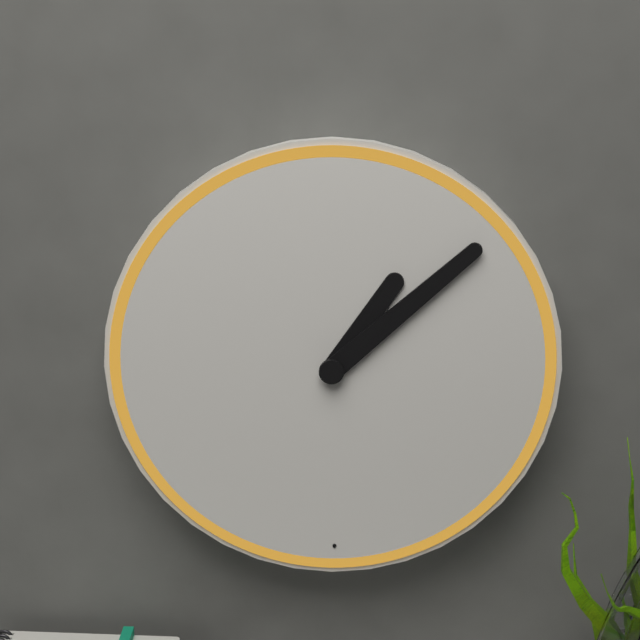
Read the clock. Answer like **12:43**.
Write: **1:08**
